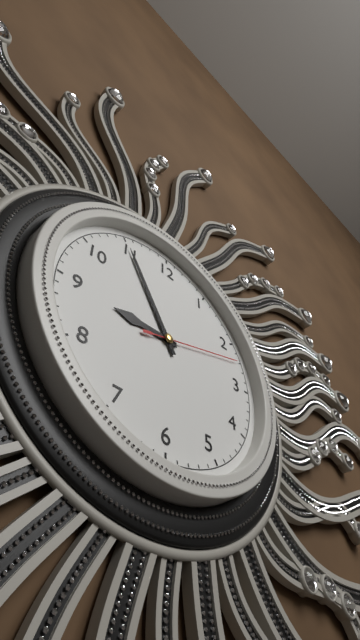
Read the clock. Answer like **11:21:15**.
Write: **8:55:12**
